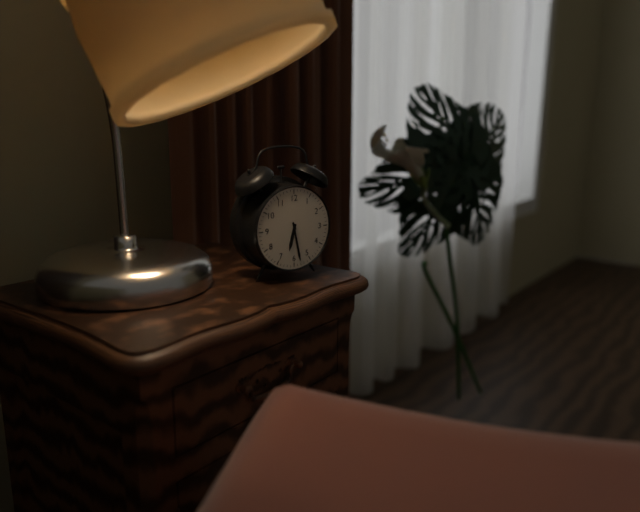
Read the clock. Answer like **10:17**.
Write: **6:28**
